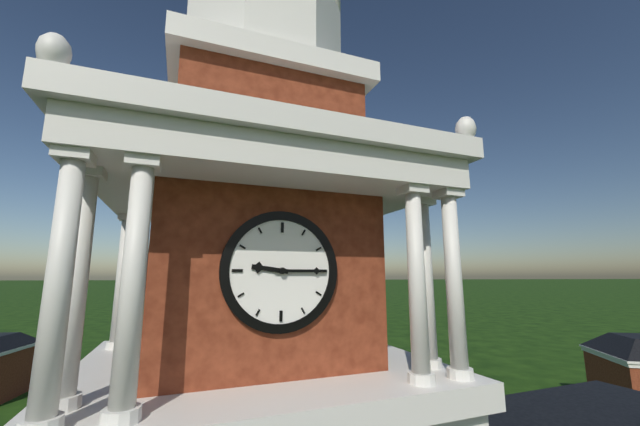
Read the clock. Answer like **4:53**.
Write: **9:15**
